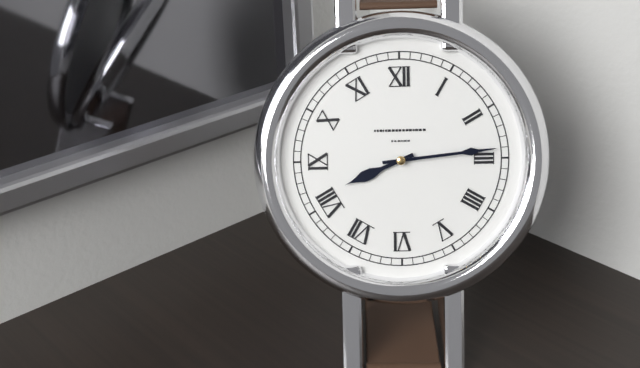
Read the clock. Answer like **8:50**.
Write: **8:14**
